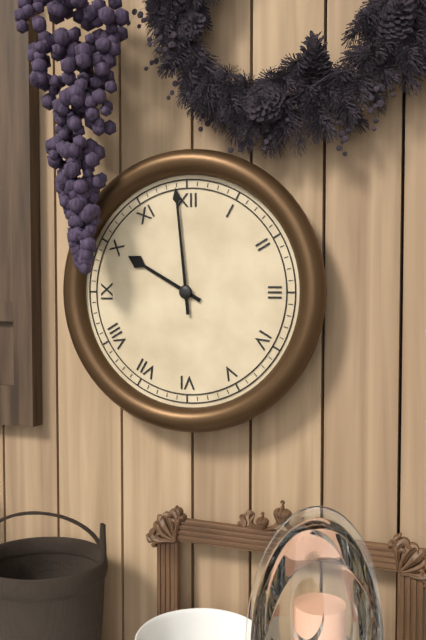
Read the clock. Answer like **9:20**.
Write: **9:59**
